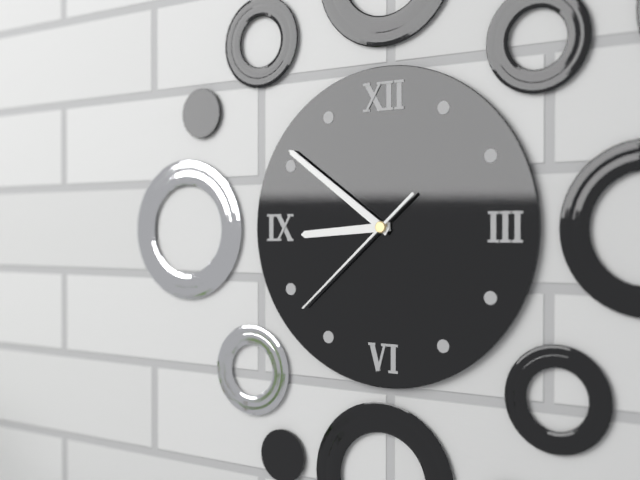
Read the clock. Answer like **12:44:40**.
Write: **8:51:38**
